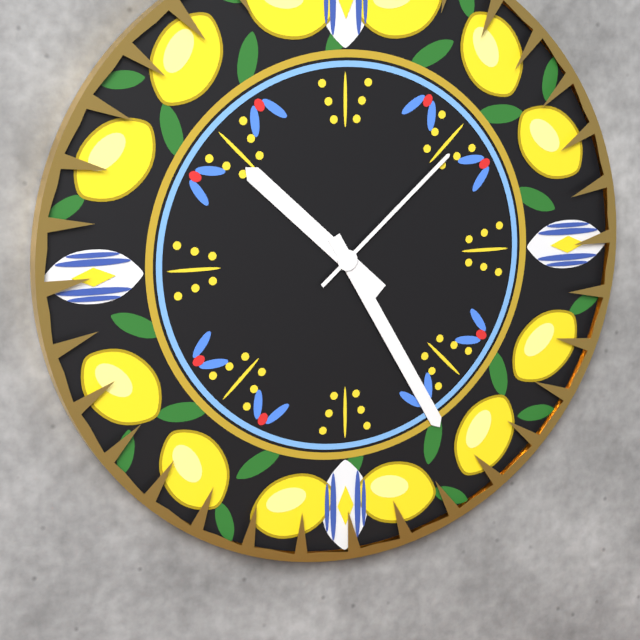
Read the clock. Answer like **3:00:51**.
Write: **10:25:08**
